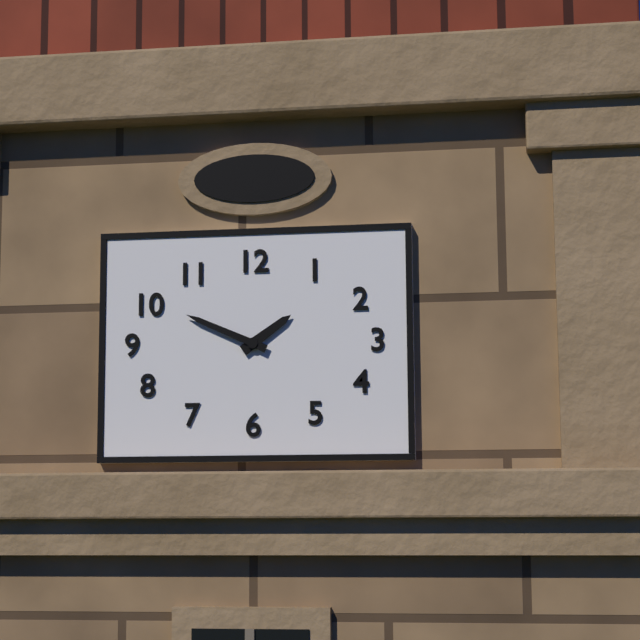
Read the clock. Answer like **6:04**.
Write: **1:49**
